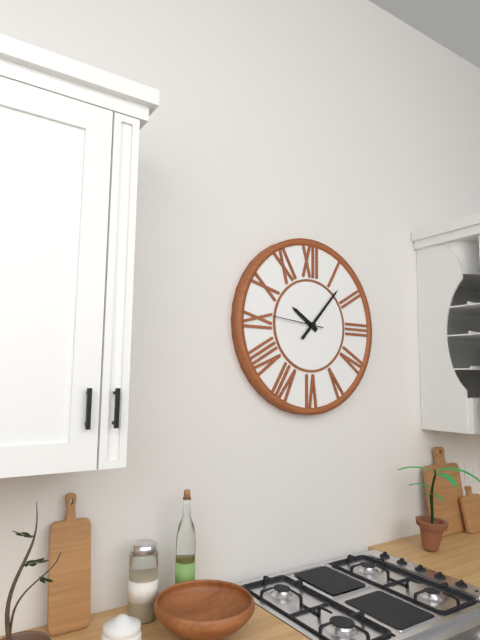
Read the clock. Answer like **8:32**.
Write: **10:07**
